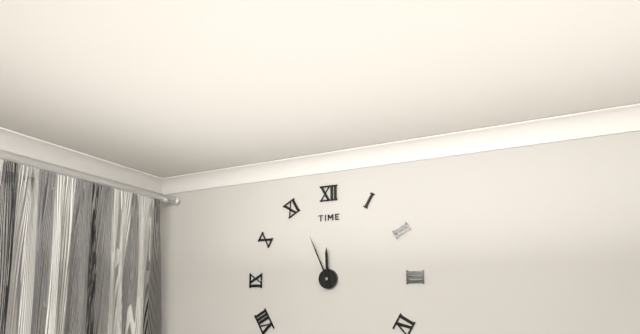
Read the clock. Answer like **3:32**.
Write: **11:56**
